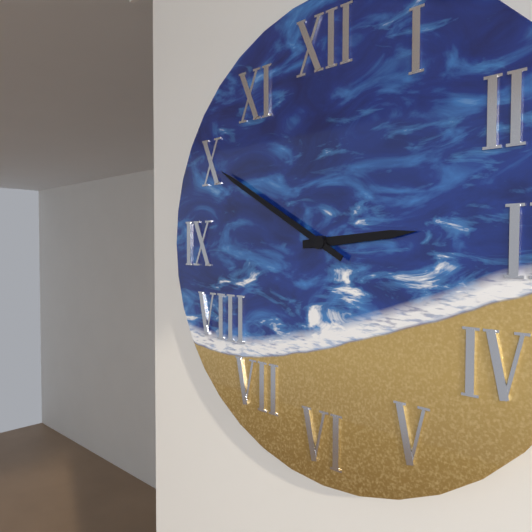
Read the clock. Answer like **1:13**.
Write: **2:50**
